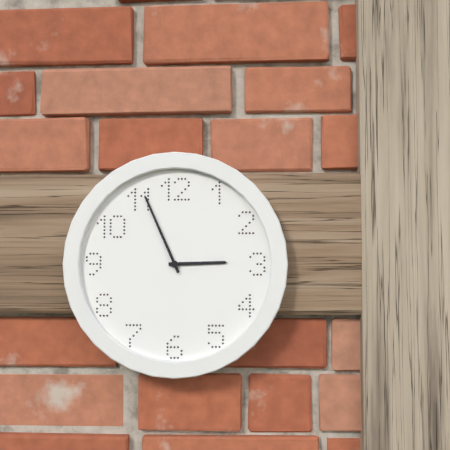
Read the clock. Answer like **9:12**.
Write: **2:56**
